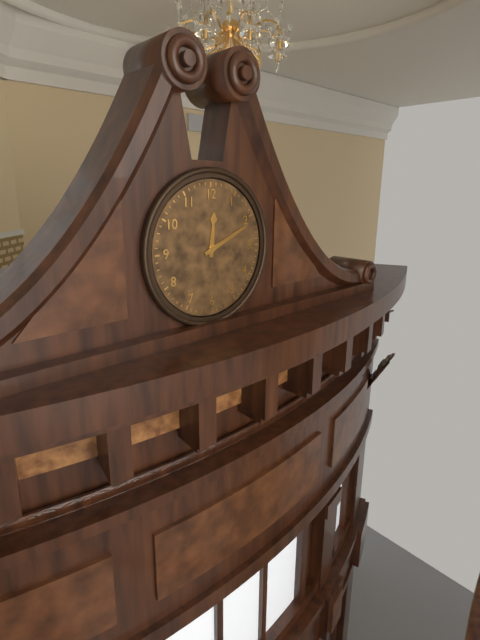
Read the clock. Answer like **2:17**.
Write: **12:11**
